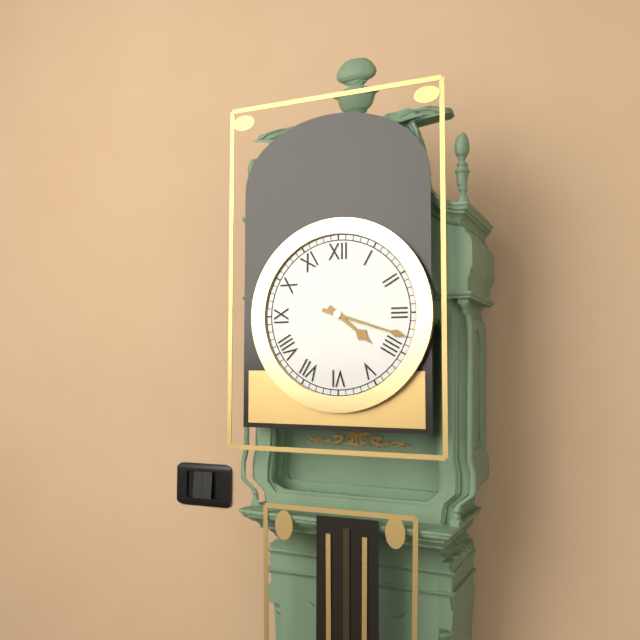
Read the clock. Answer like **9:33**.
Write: **4:18**
